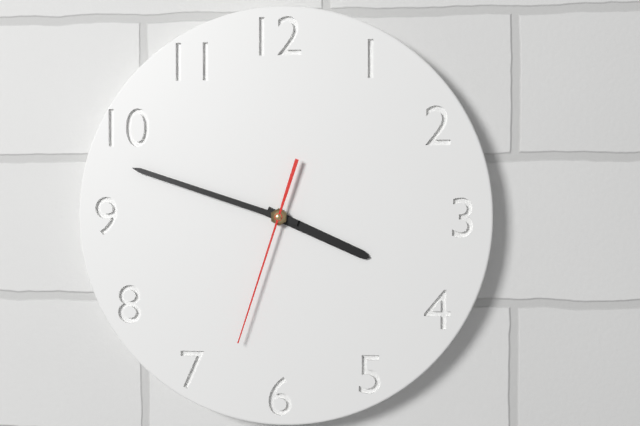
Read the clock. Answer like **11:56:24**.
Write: **3:48:33**
